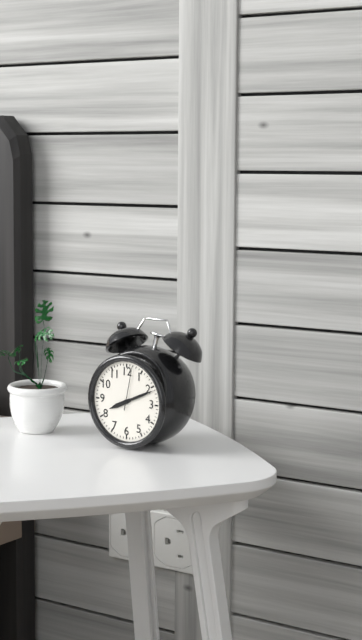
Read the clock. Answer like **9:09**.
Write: **8:11**
